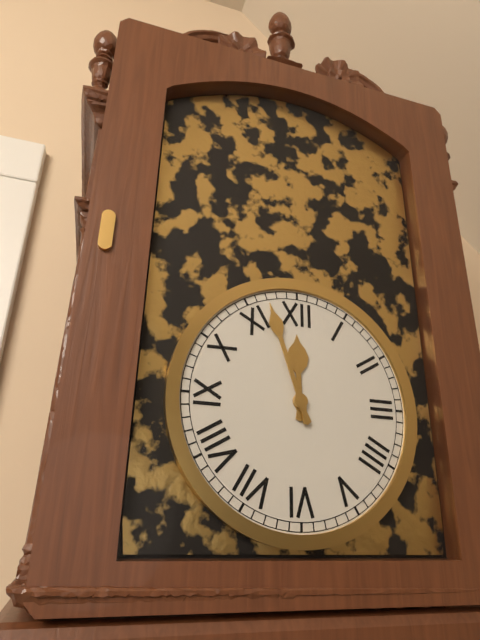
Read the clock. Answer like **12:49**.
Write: **11:57**
